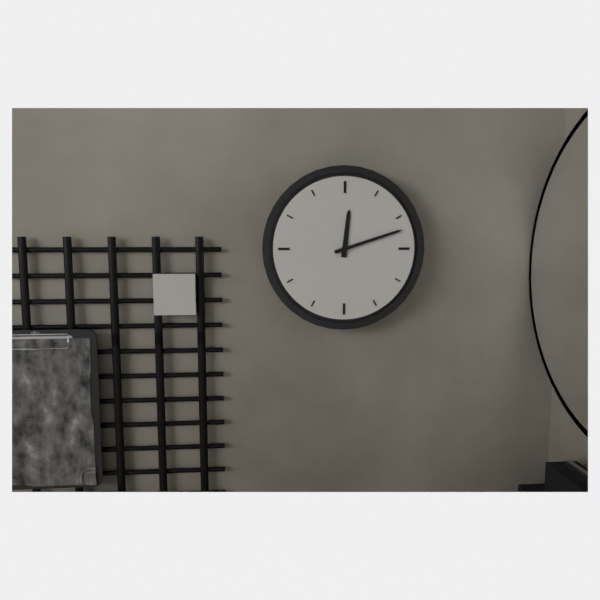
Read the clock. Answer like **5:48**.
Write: **12:12**
